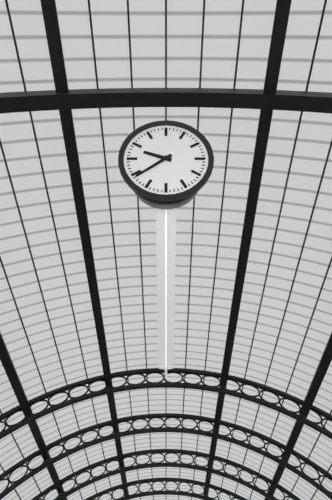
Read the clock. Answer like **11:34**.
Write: **9:39**
